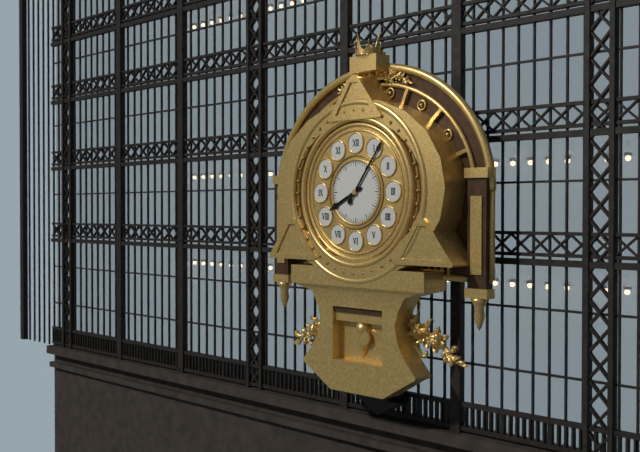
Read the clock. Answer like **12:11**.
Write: **8:06**
